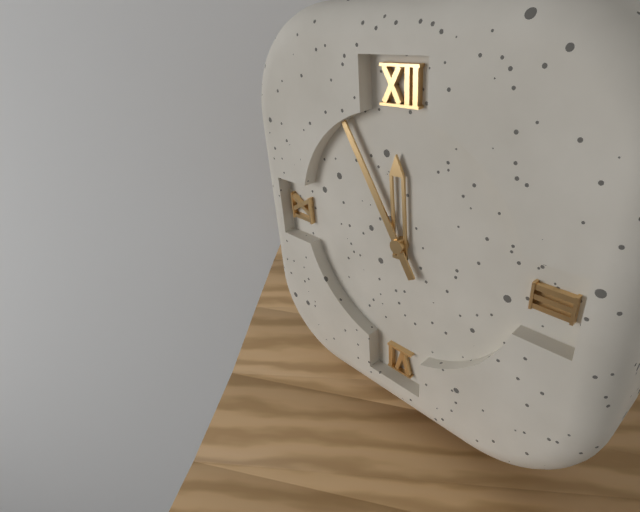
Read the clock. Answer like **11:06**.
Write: **11:55**
